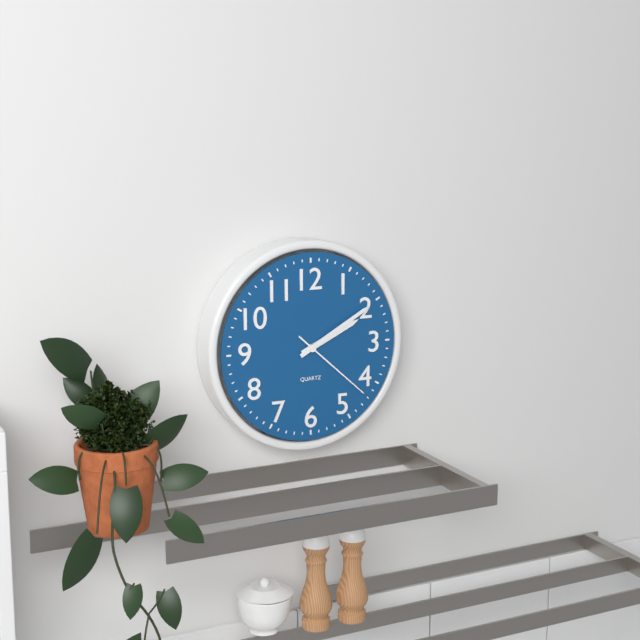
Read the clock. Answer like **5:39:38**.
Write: **2:10:22**
